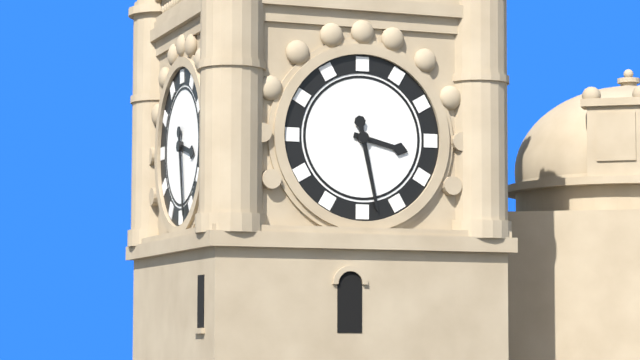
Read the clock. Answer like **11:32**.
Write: **3:28**
